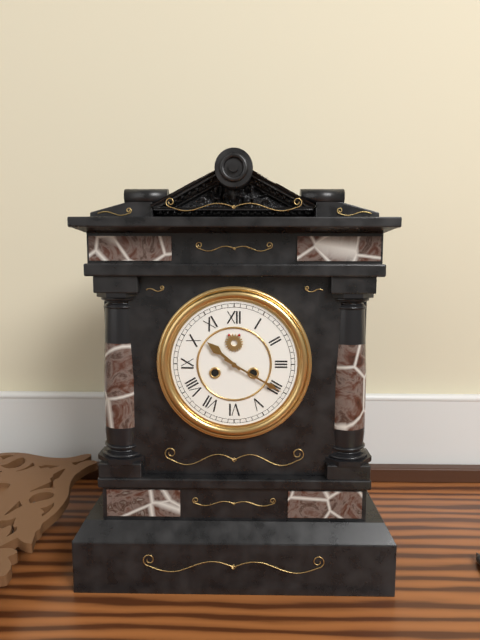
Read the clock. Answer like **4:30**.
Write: **10:20**
